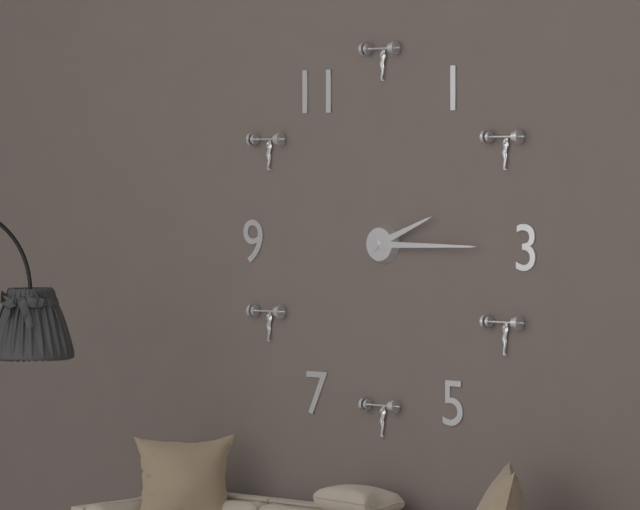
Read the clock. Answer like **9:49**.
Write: **2:15**
